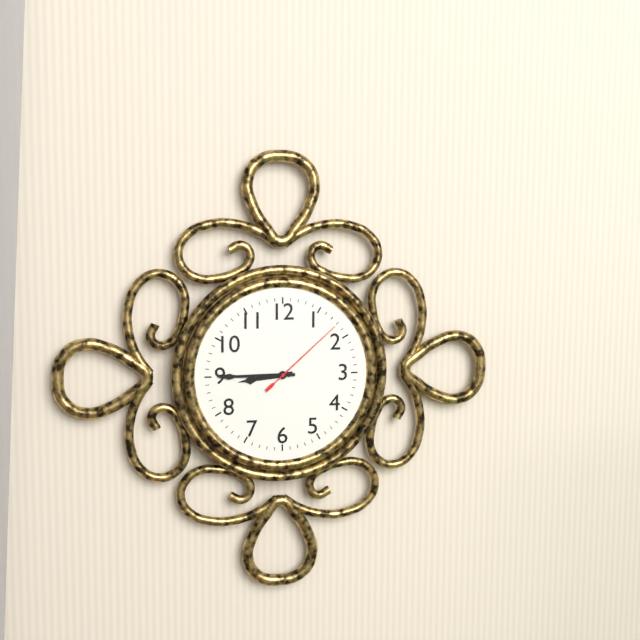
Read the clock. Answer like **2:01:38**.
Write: **8:45:08**
